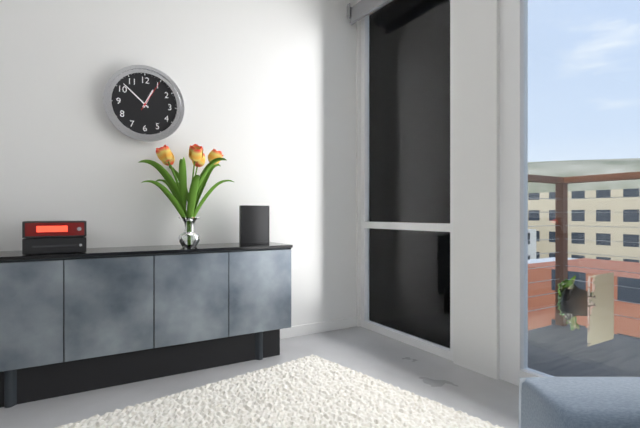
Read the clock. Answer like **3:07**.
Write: **12:52**
